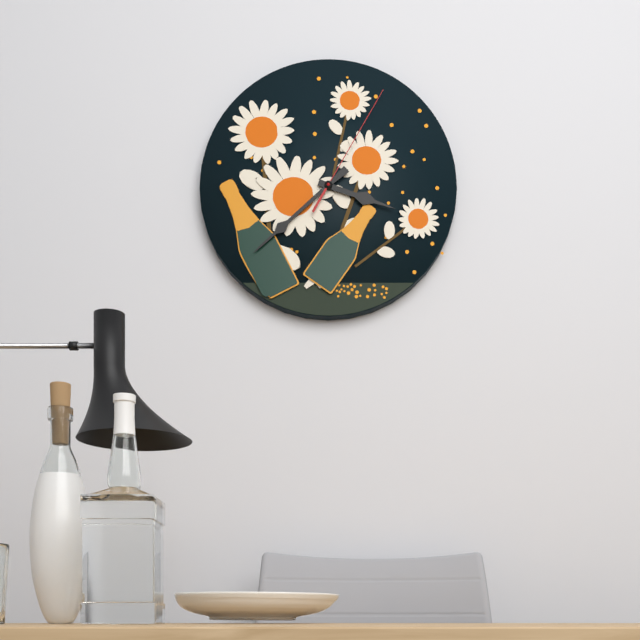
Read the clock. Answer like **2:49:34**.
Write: **3:38:05**
